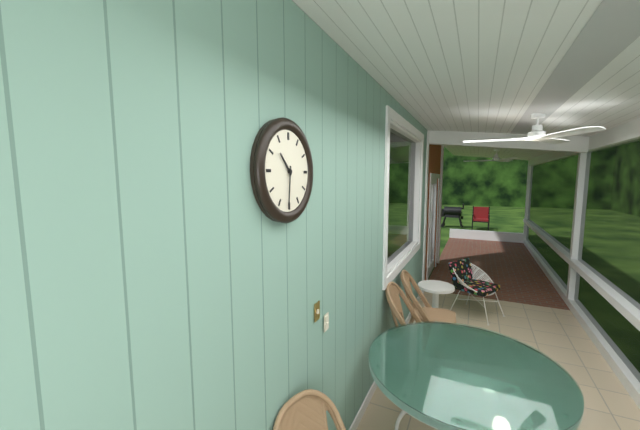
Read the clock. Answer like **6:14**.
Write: **10:31**
